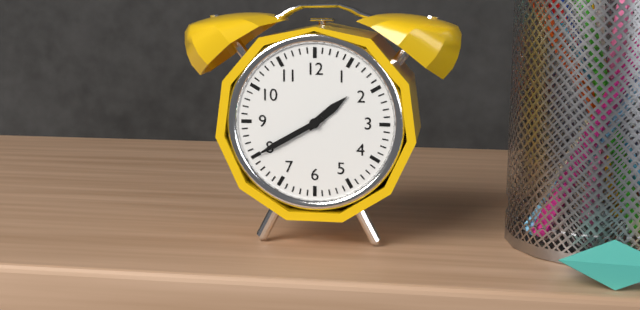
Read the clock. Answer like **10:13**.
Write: **1:40**
